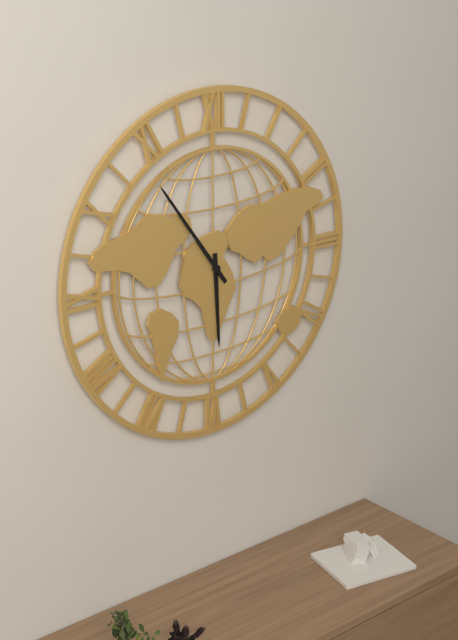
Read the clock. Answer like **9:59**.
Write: **5:54**
